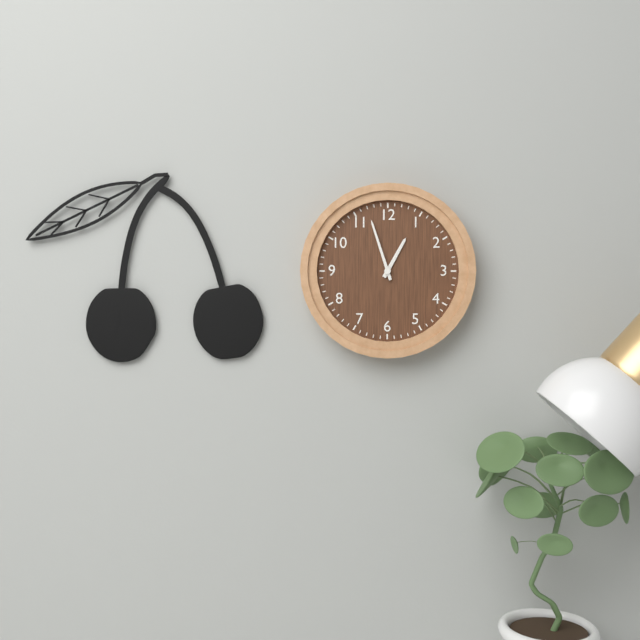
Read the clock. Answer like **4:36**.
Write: **12:57**
